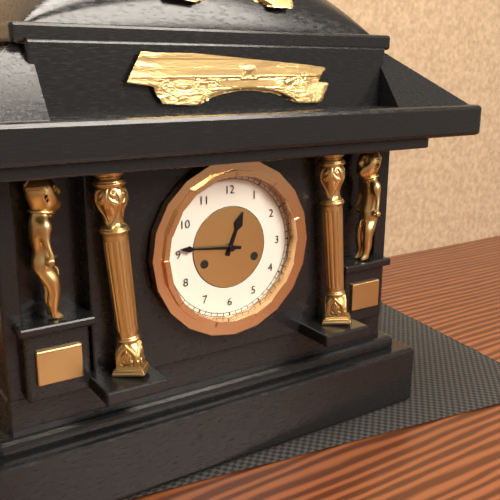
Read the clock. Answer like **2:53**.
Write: **12:46**
